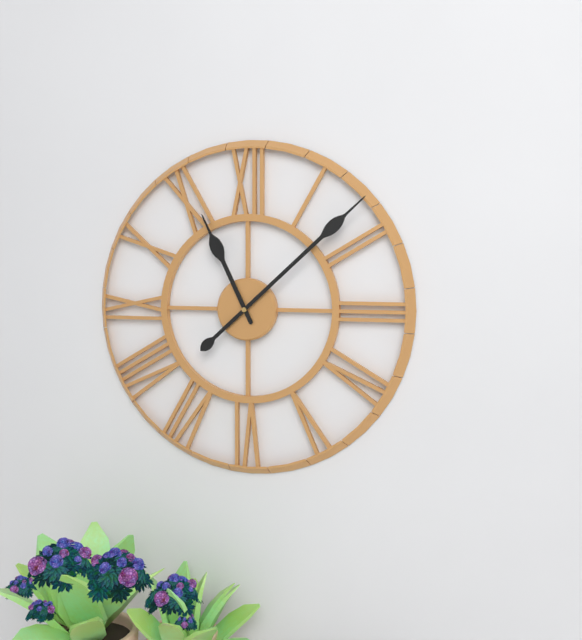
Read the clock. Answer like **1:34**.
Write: **11:08**
